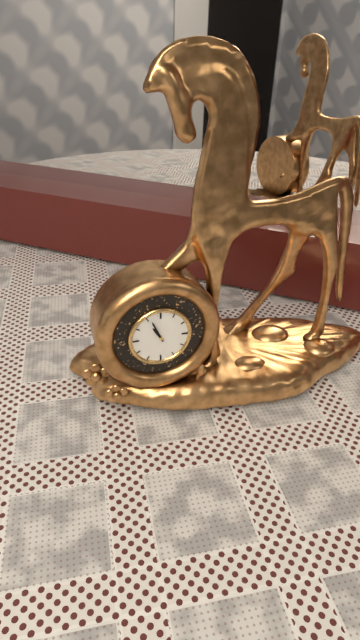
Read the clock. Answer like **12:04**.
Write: **10:56**
